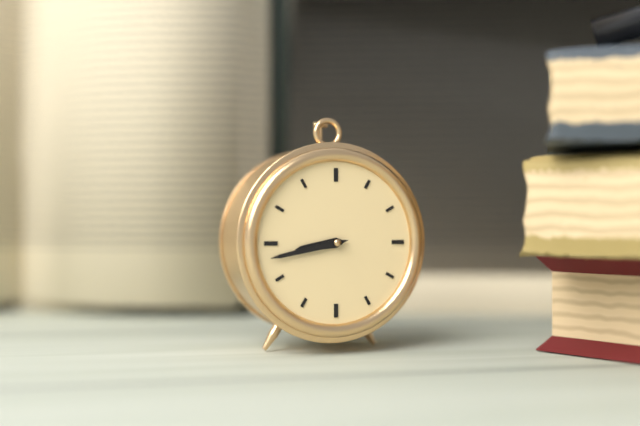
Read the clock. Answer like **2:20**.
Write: **8:43**
